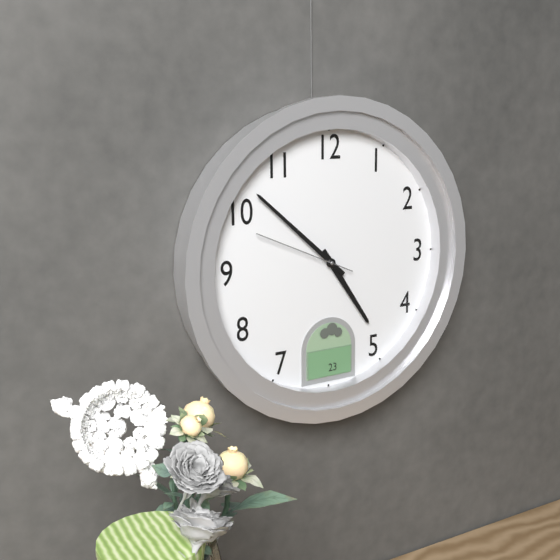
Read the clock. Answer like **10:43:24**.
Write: **4:52:49**
